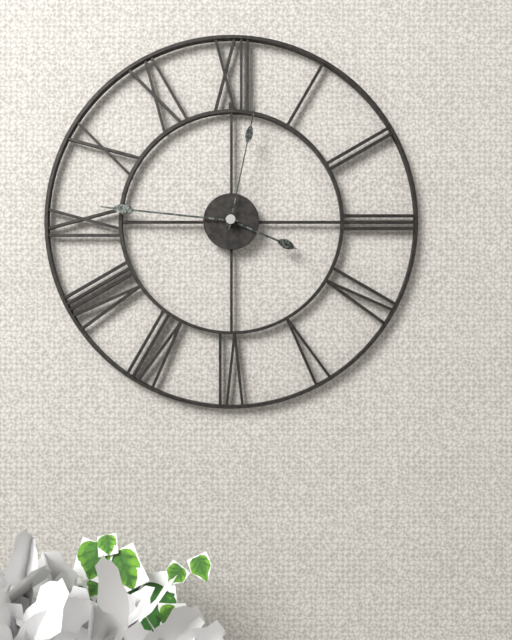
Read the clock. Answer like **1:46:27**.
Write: **3:46:02**
